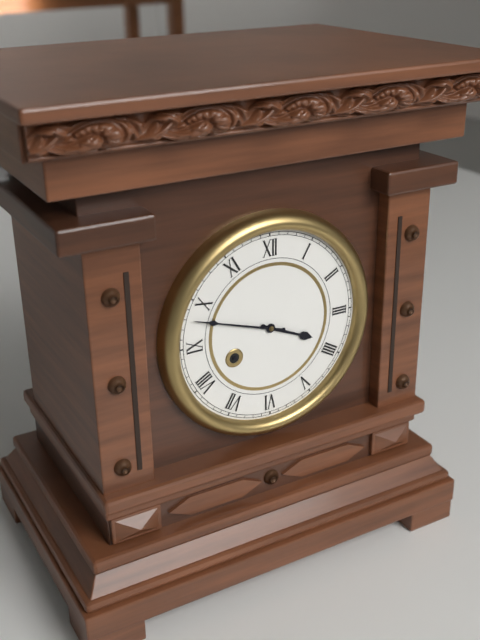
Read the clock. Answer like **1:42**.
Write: **3:48**
